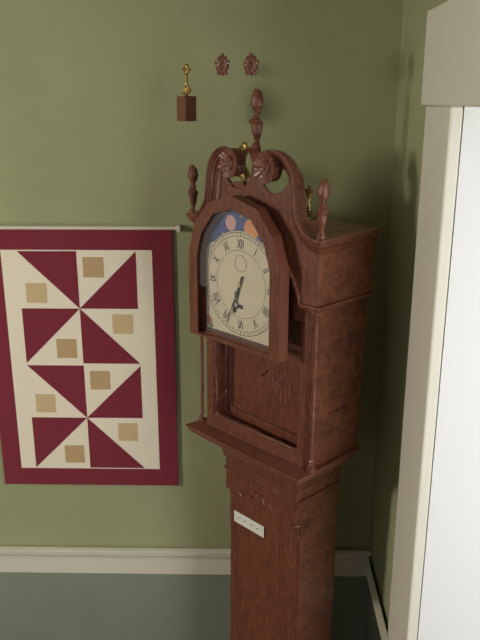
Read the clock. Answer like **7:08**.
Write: **6:34**
